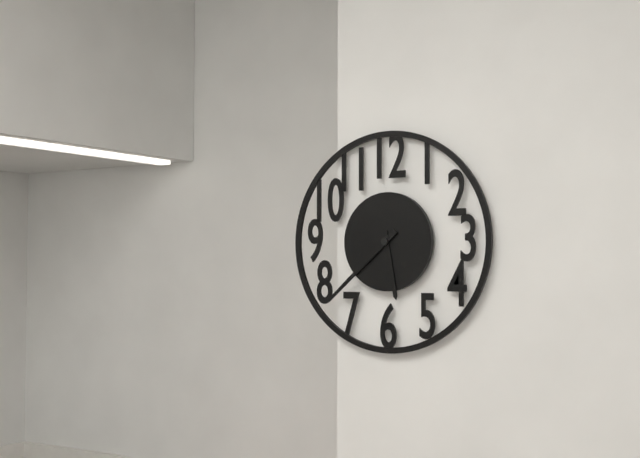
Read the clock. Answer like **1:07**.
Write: **5:38**
